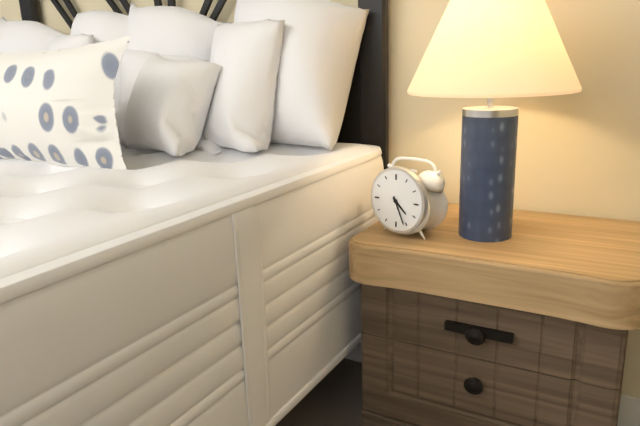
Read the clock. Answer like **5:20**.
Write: **4:26**
